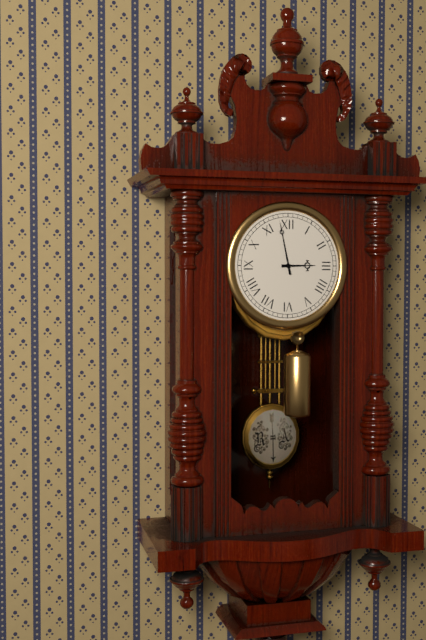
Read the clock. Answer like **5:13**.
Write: **2:58**
